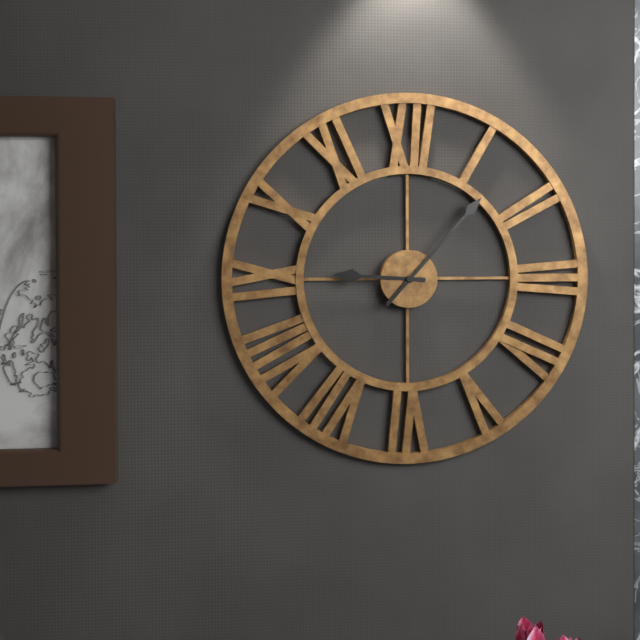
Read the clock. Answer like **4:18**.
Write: **9:07**
